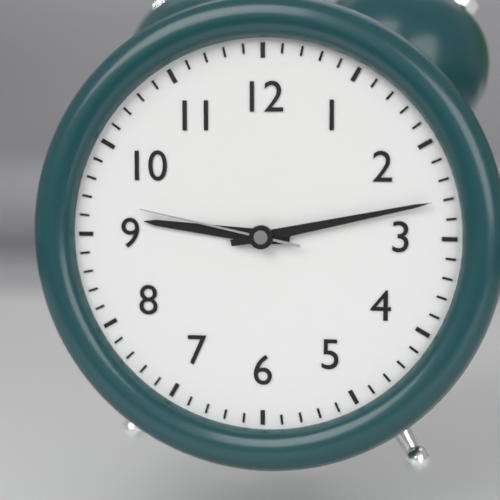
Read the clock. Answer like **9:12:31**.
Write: **9:13:47**
